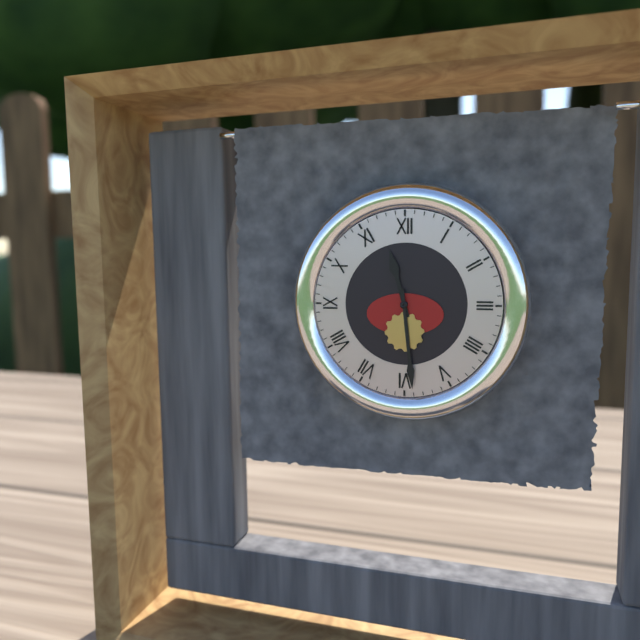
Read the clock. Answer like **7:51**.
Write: **11:29**
